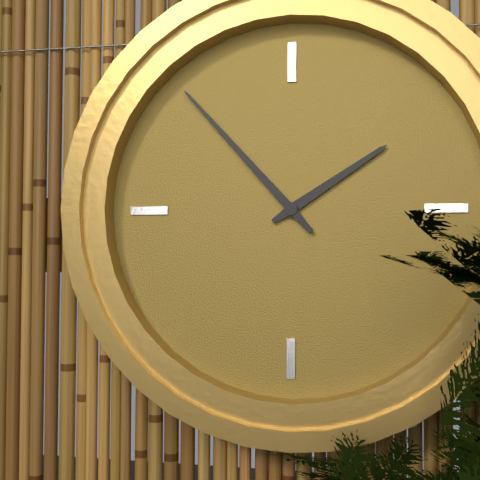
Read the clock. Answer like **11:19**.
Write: **1:53**
